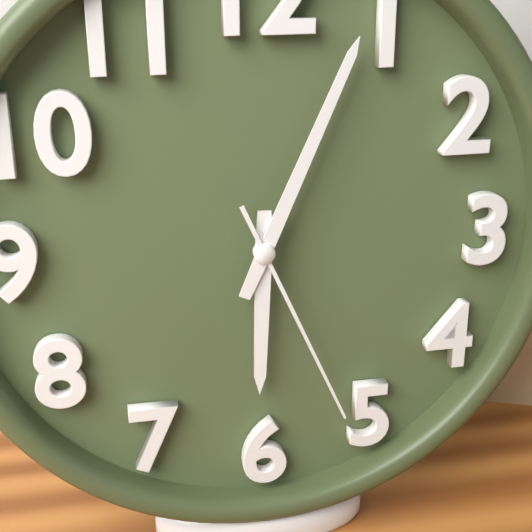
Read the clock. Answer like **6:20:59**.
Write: **6:04:26**
